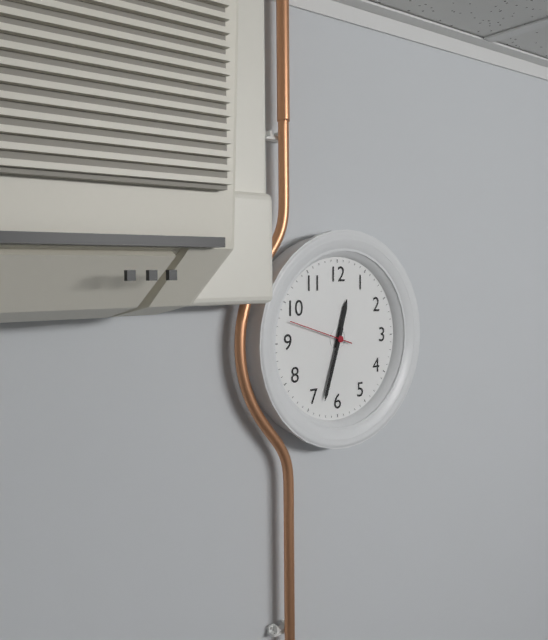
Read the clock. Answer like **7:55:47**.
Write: **12:33:48**
